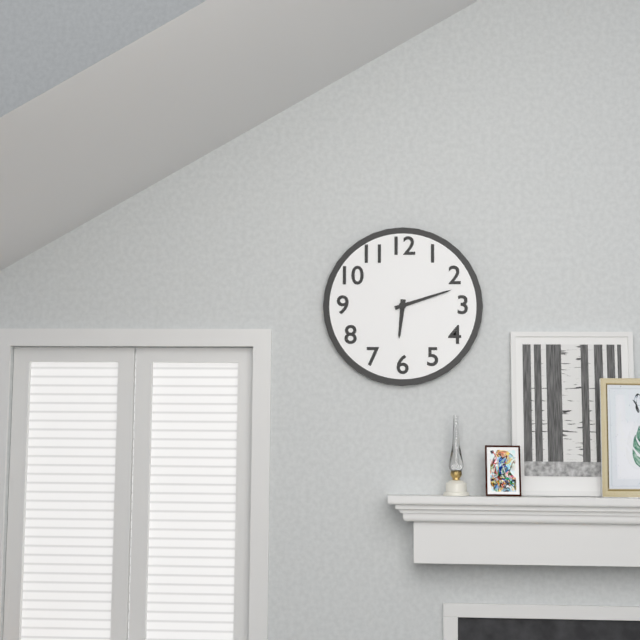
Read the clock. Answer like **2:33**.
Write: **6:12**
